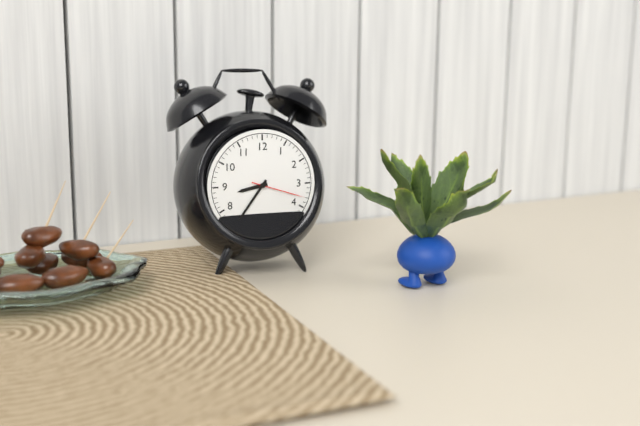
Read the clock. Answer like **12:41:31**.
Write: **8:36:18**
